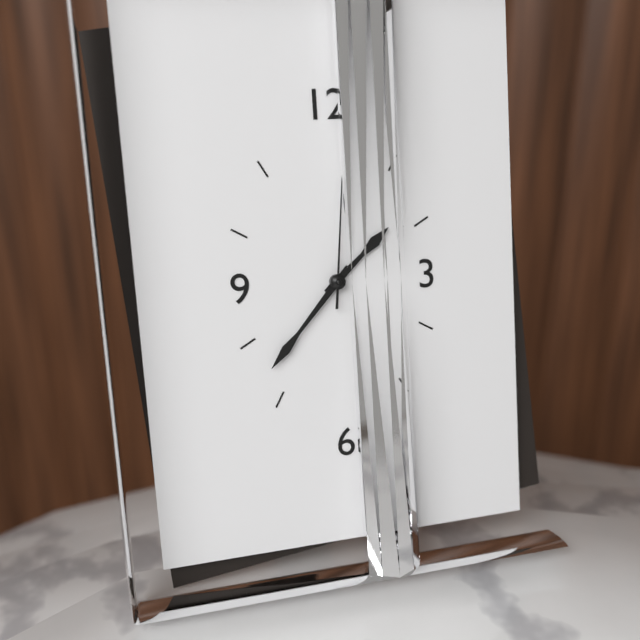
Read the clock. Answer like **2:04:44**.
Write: **1:37:01**
